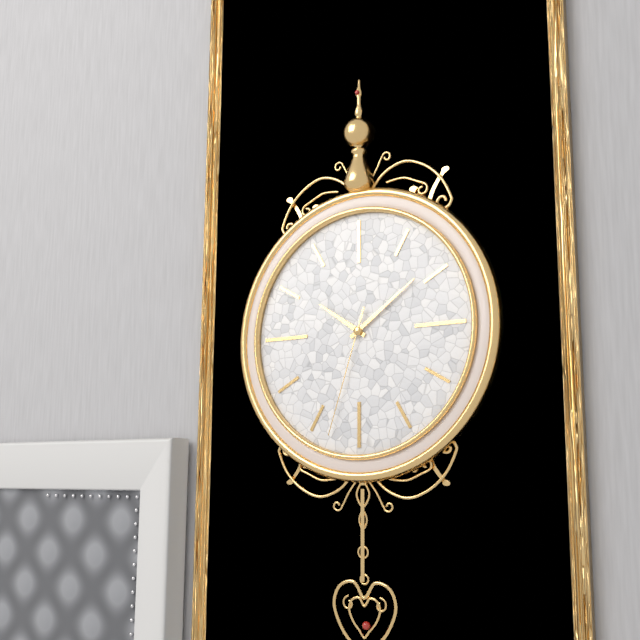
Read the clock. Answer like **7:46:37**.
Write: **10:09:33**
